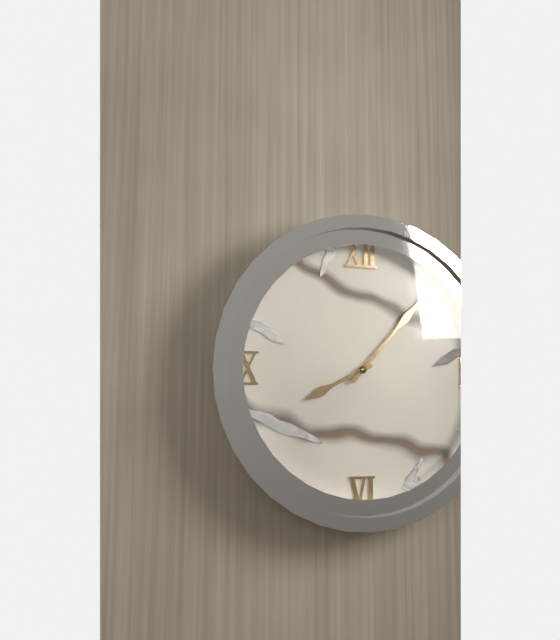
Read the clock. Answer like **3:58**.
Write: **8:07**
